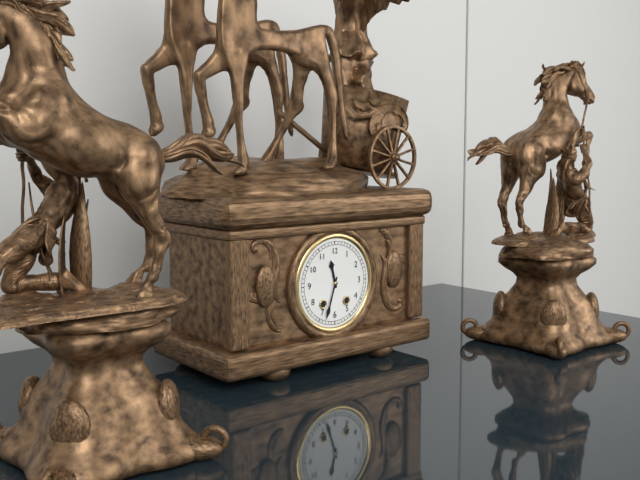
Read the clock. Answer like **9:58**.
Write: **11:33**
